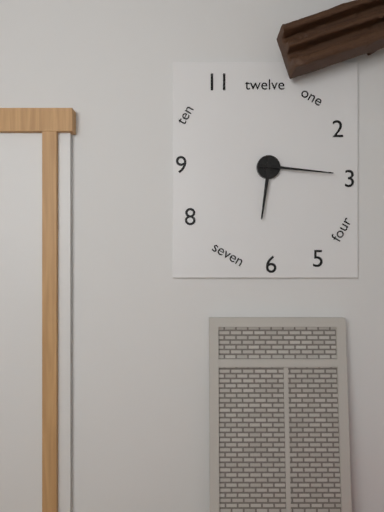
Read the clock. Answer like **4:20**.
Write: **6:16**
